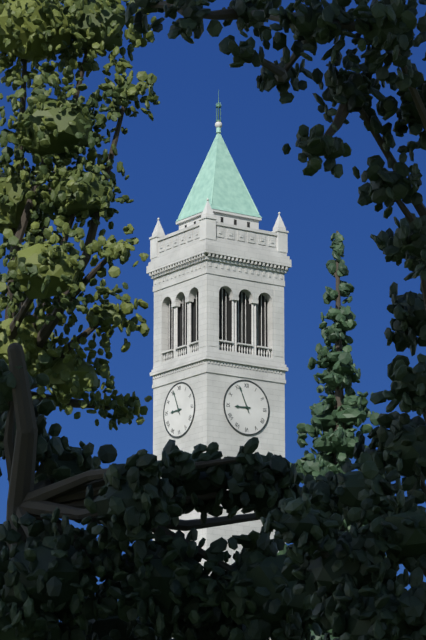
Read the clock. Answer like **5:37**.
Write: **8:56**
